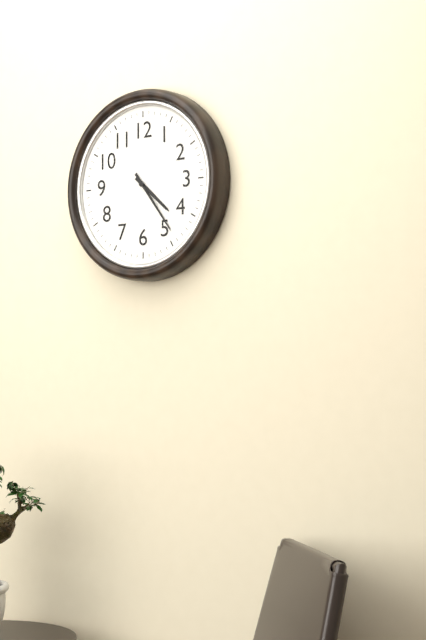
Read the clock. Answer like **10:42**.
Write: **4:24**
